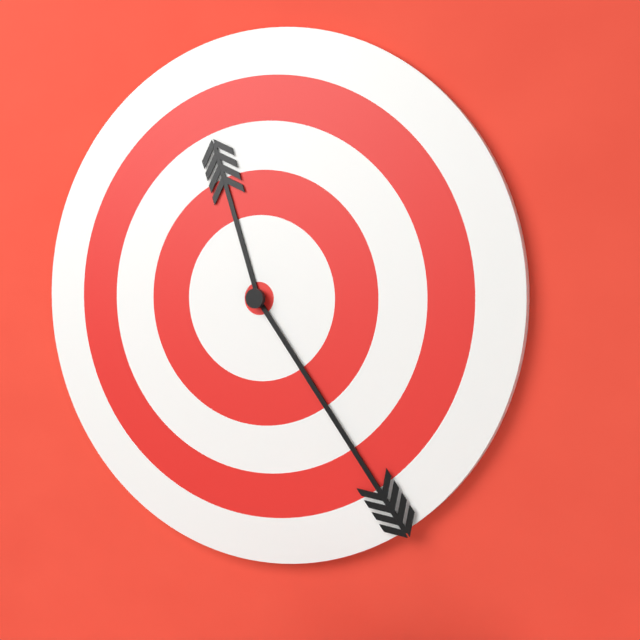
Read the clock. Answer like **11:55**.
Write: **11:24**
